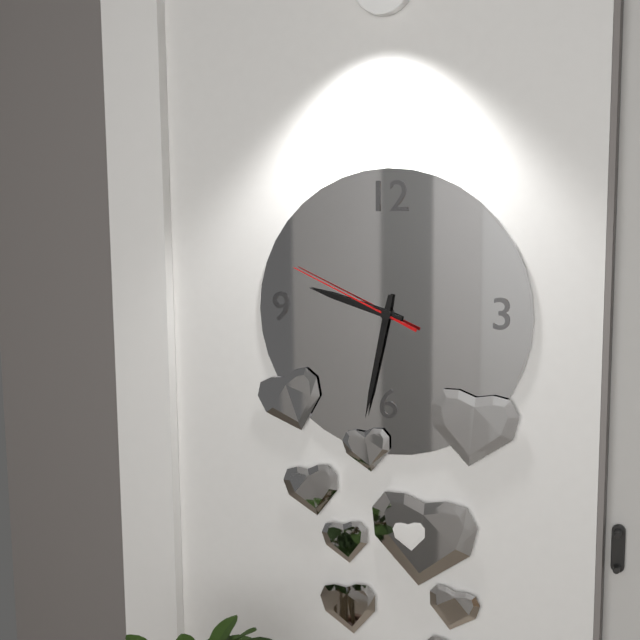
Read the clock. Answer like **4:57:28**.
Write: **9:32:49**
